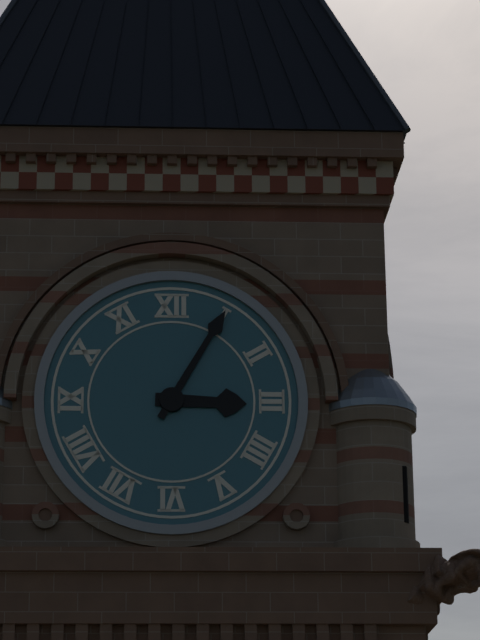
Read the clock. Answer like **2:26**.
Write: **3:05**
